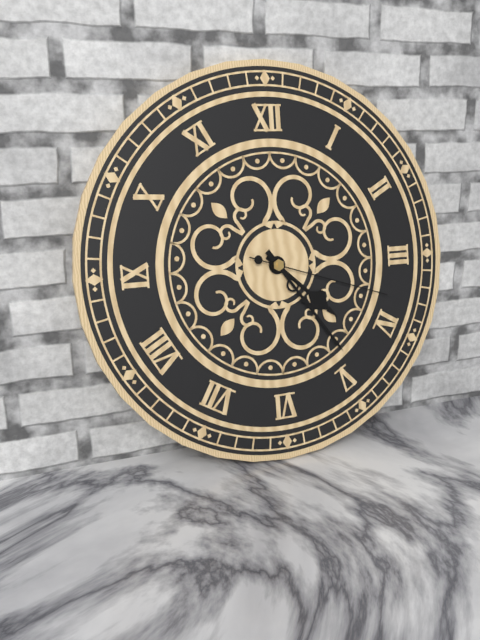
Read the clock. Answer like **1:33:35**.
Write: **4:24:18**
